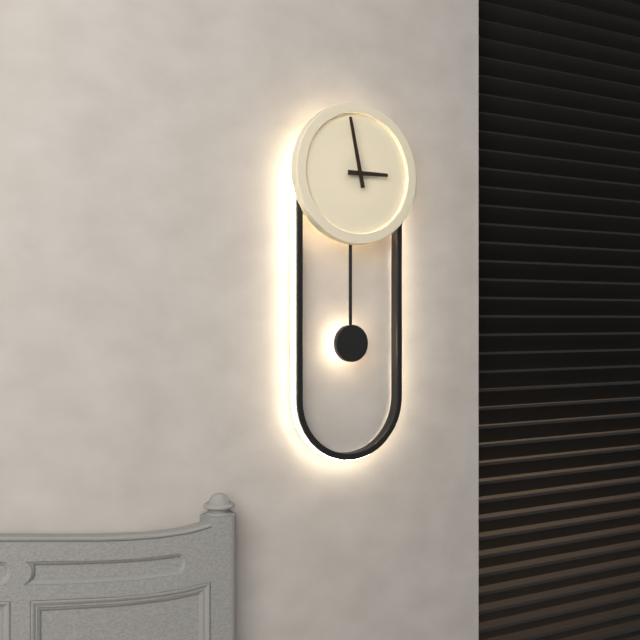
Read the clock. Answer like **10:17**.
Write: **2:58**
